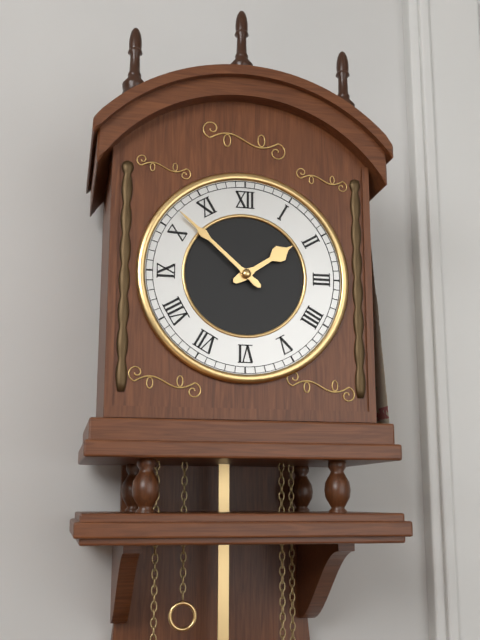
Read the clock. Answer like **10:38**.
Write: **1:52**
